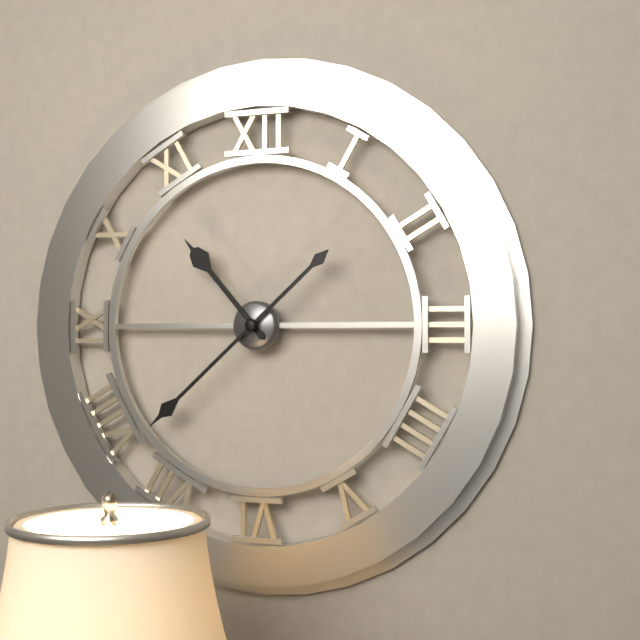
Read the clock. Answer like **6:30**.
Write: **10:38**
